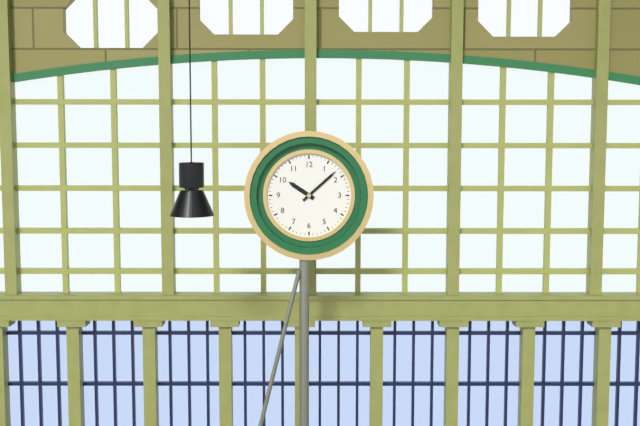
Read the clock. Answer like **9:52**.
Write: **10:08**
